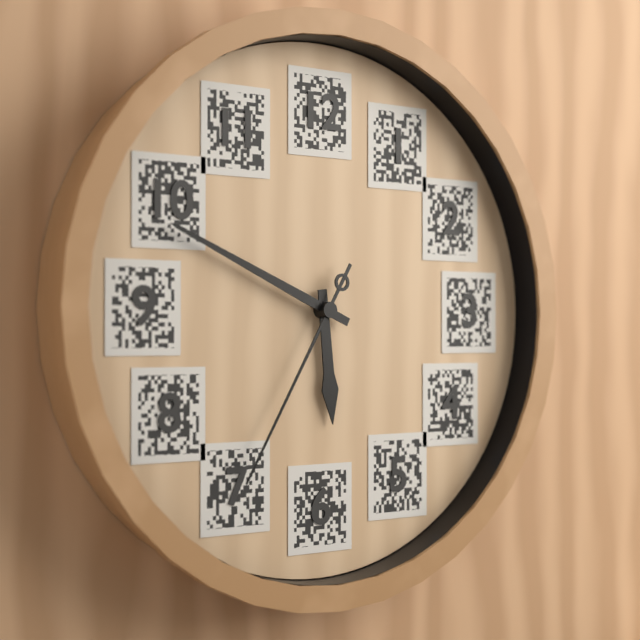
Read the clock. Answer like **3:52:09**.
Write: **5:49:35**
